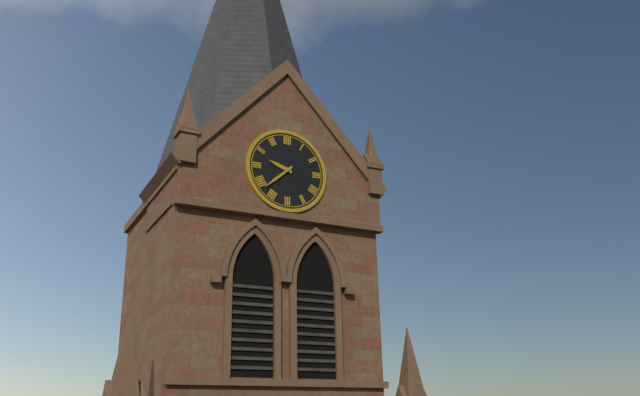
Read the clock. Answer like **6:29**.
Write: **9:38**
